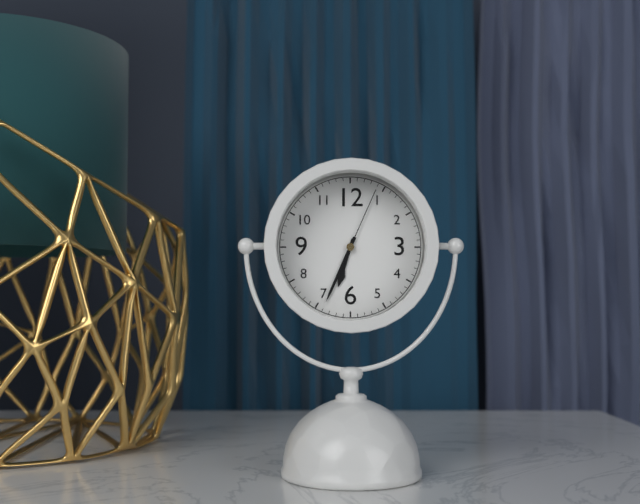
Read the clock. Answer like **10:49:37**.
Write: **6:34:04**
